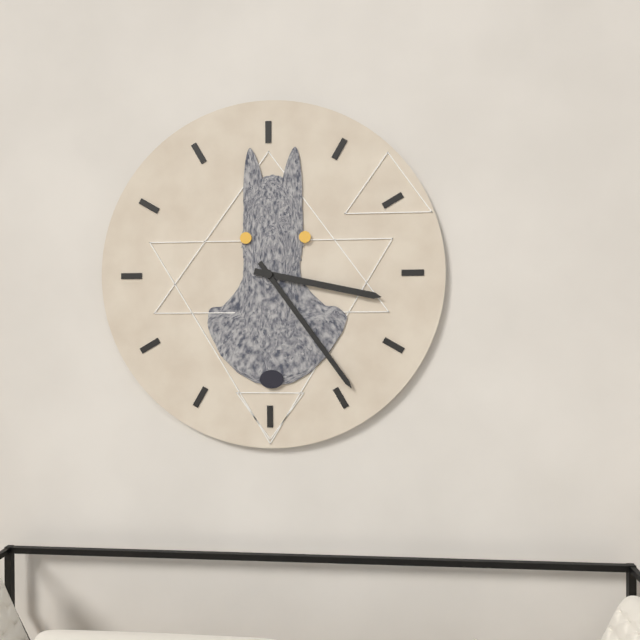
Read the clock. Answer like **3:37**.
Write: **3:24**
